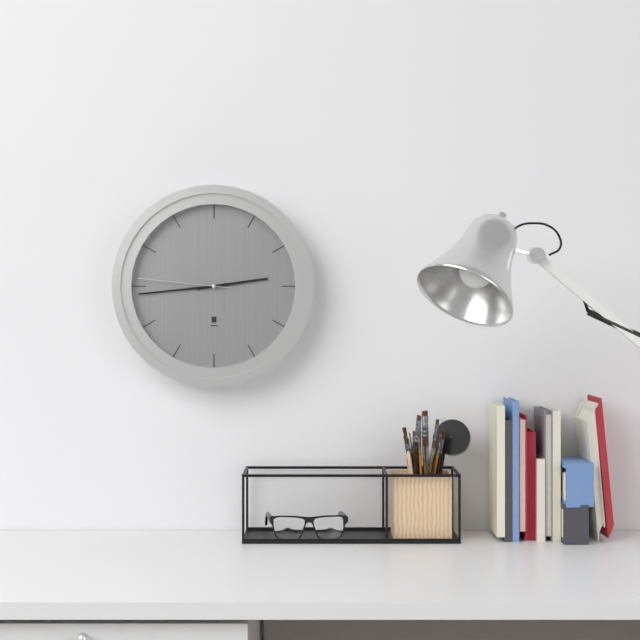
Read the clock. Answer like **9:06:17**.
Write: **2:44:46**
